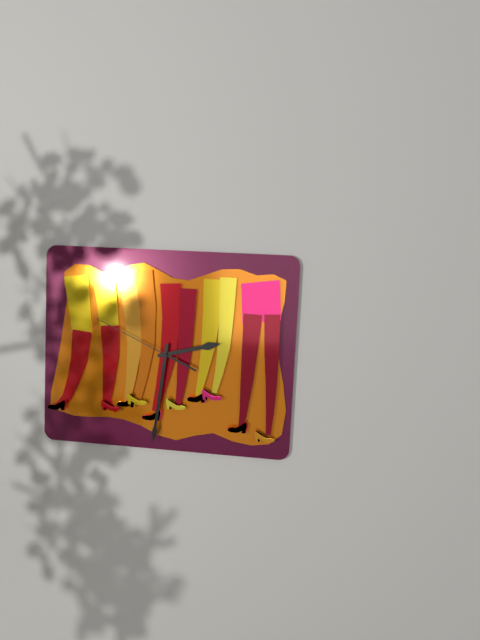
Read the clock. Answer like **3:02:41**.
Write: **2:31:49**
